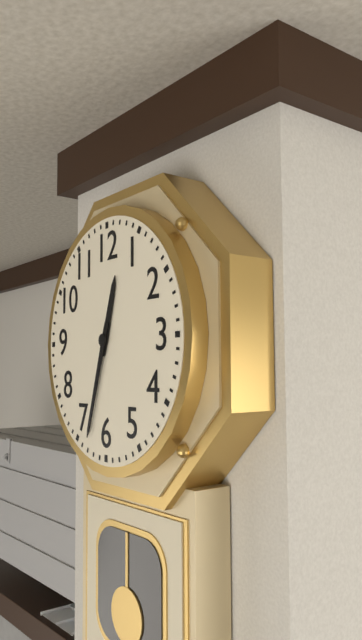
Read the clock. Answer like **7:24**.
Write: **12:33**
